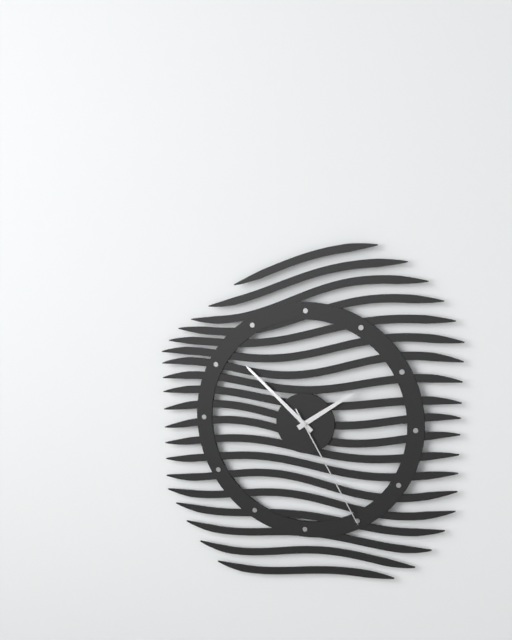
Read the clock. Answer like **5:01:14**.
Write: **1:52:25**
